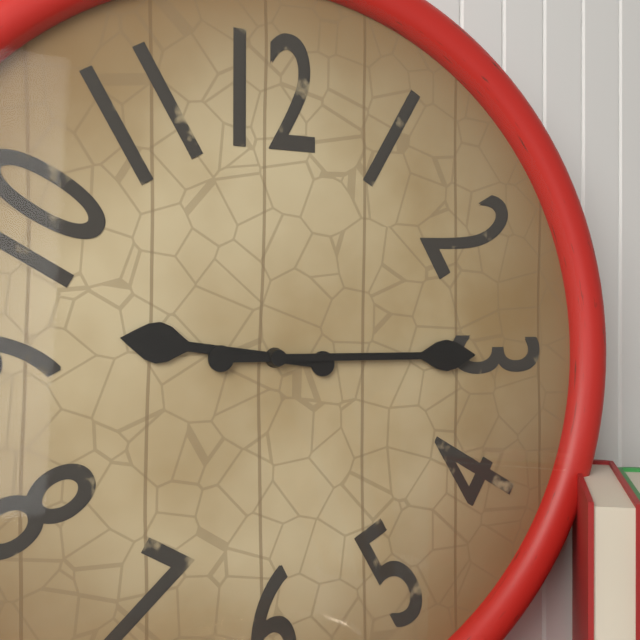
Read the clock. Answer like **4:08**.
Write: **9:15**
